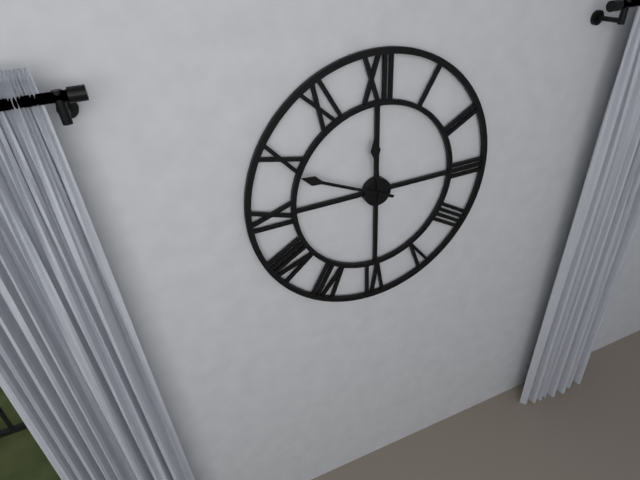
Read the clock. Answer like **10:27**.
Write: **11:49**
